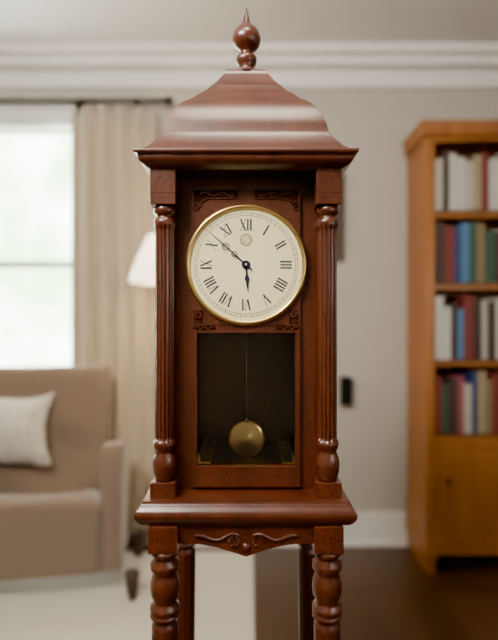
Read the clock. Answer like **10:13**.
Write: **5:52**
